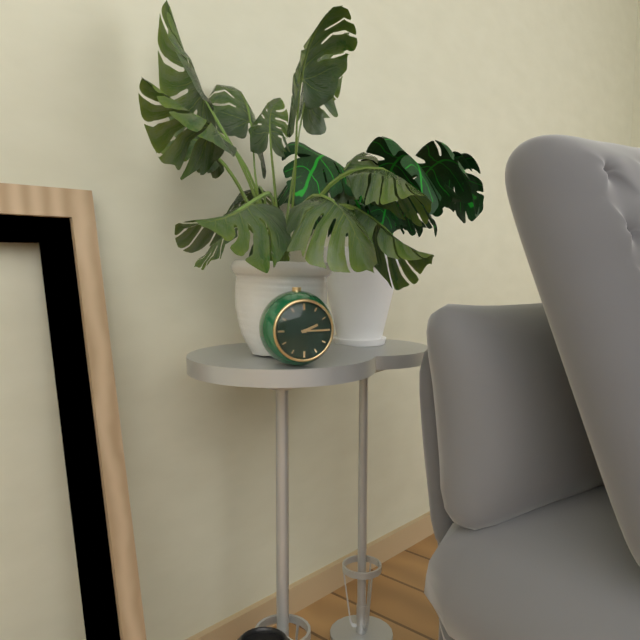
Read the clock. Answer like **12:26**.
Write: **2:15**
